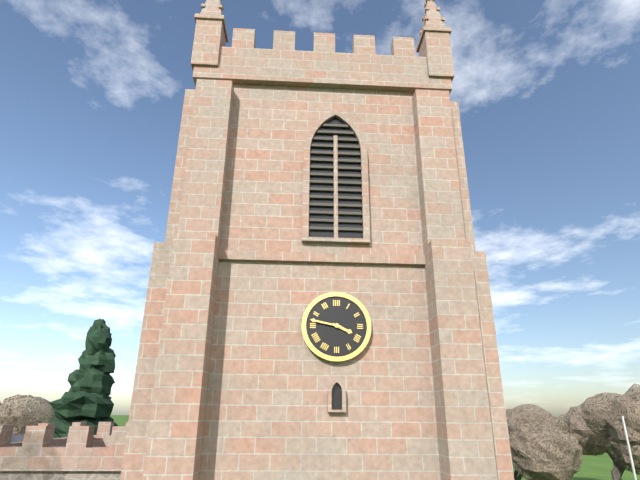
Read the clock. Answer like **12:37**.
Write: **3:47**
